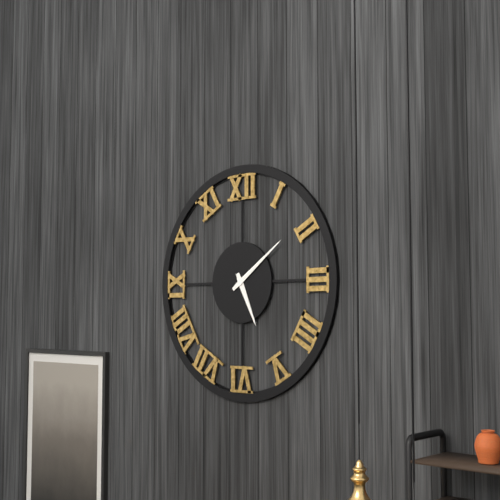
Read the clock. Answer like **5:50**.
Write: **5:09**
